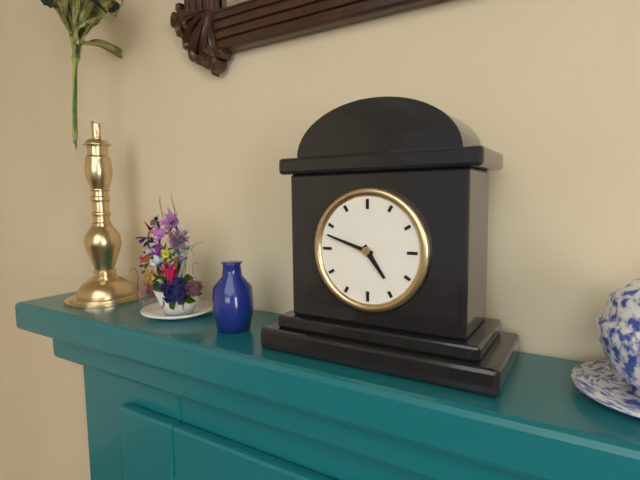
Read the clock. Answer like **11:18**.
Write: **4:48**
